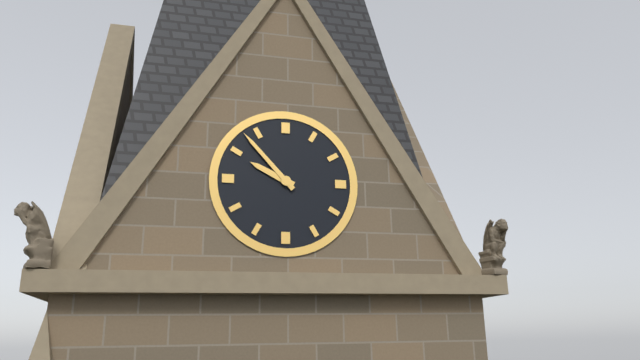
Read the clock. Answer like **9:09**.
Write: **9:53**
